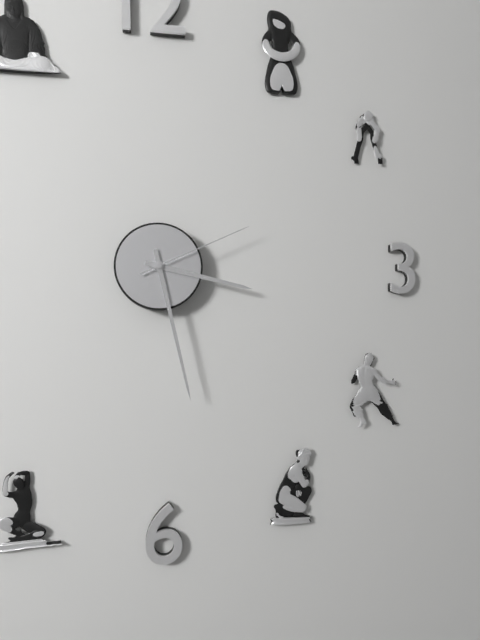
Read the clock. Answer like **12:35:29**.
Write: **3:28:11**
